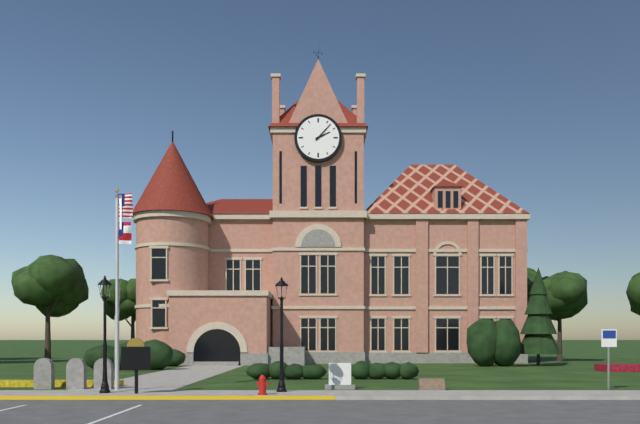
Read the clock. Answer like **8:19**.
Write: **2:07**
